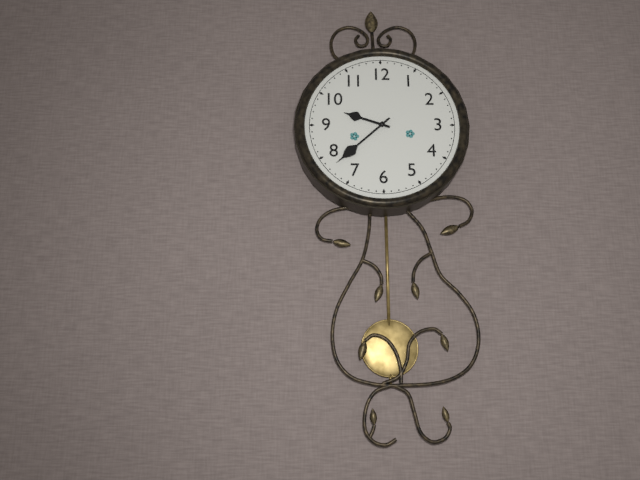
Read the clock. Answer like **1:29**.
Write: **9:38**
